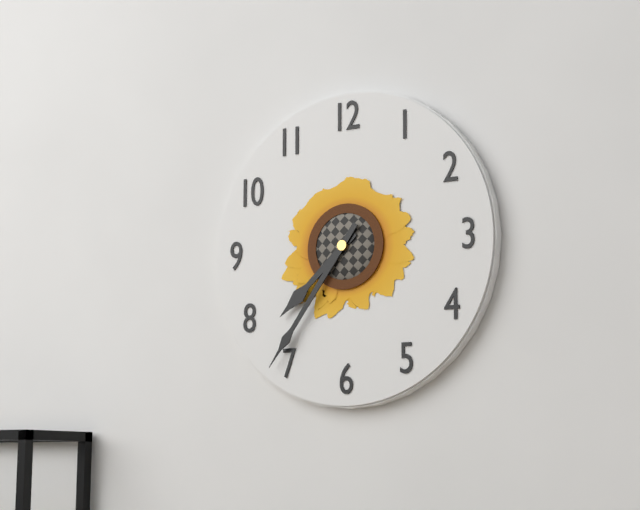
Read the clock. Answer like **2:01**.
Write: **7:36**
